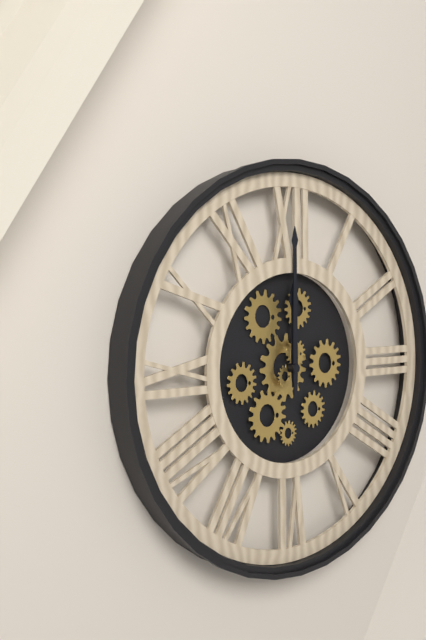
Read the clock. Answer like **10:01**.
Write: **12:00**
